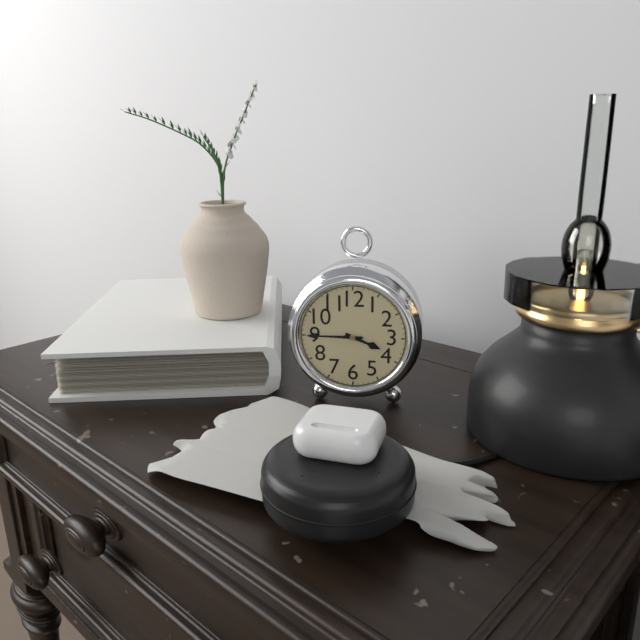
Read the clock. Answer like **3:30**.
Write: **3:45**
